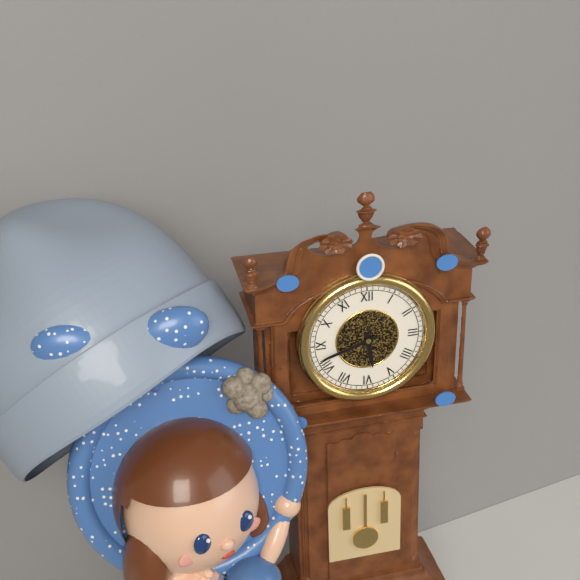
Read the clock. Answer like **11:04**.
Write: **5:42**
